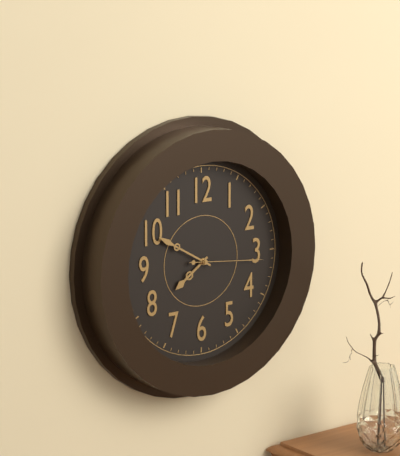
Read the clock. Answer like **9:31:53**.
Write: **7:50:16**
